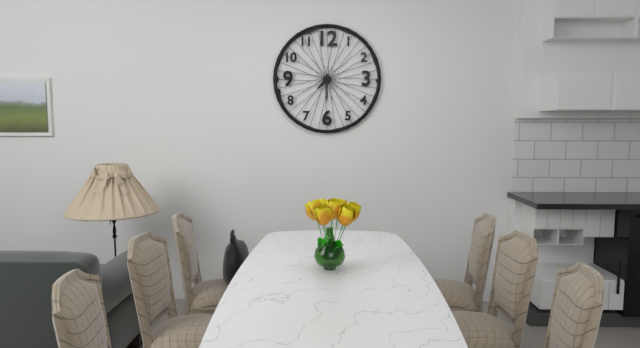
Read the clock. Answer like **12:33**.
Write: **7:30**
